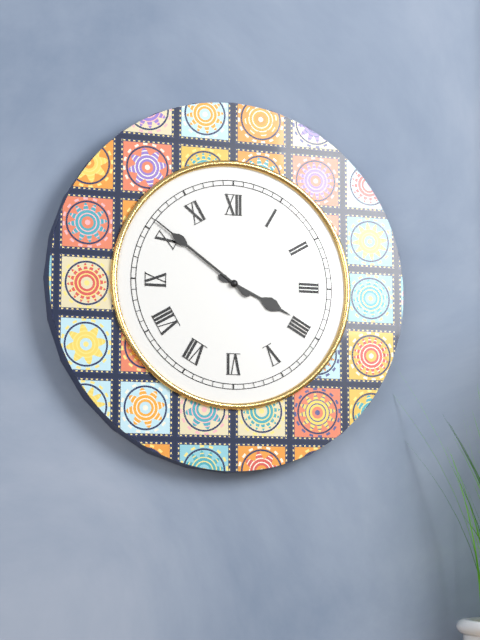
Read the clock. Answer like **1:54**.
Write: **3:51**
